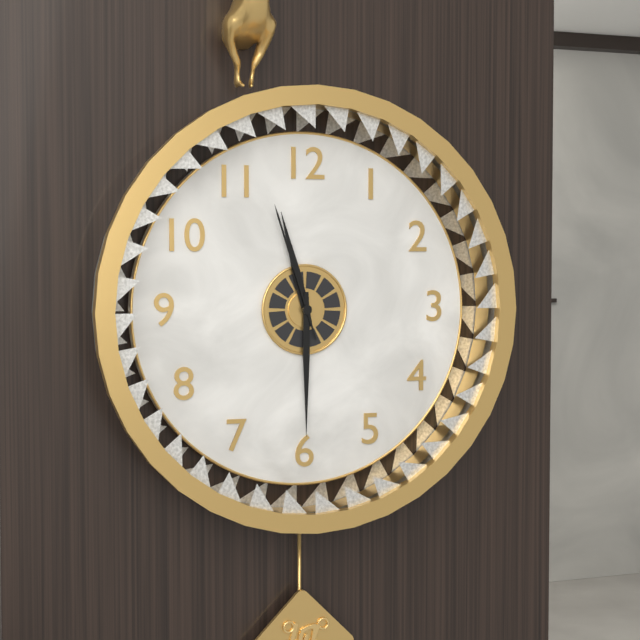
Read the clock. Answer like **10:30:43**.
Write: **11:30:57**
